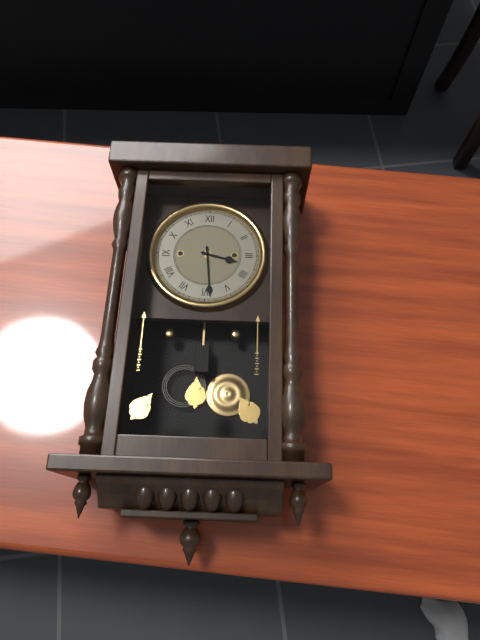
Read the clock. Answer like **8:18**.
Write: **3:29**
